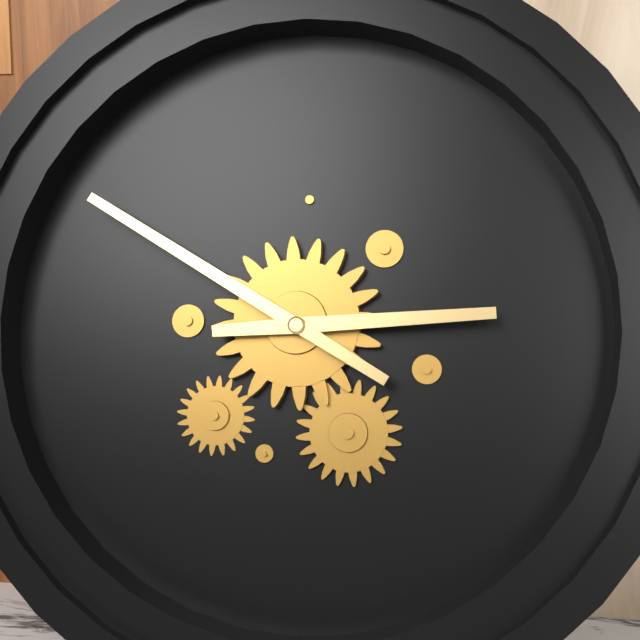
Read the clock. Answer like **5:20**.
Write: **2:50**
